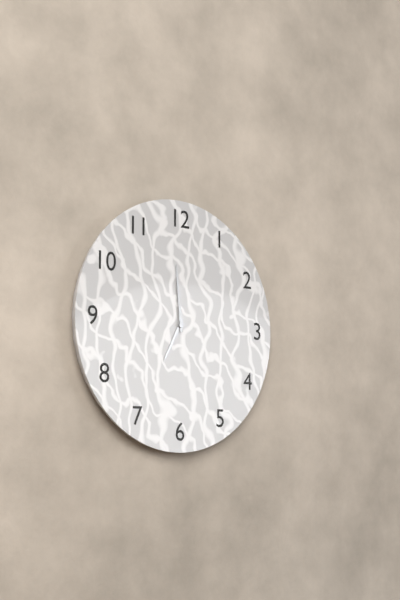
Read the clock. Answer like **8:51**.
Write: **6:59**
